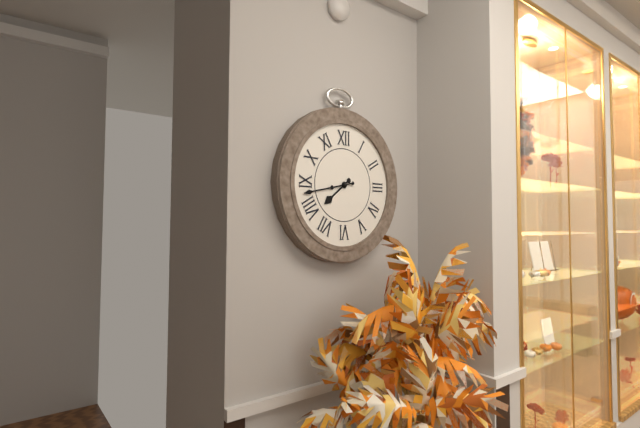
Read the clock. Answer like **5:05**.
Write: **7:43**
